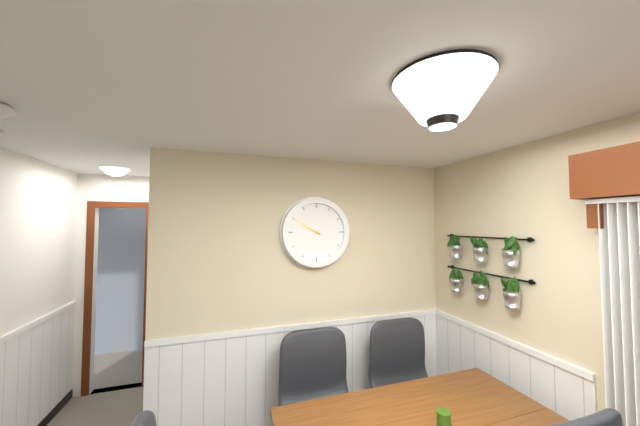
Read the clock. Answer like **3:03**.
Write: **9:50**
